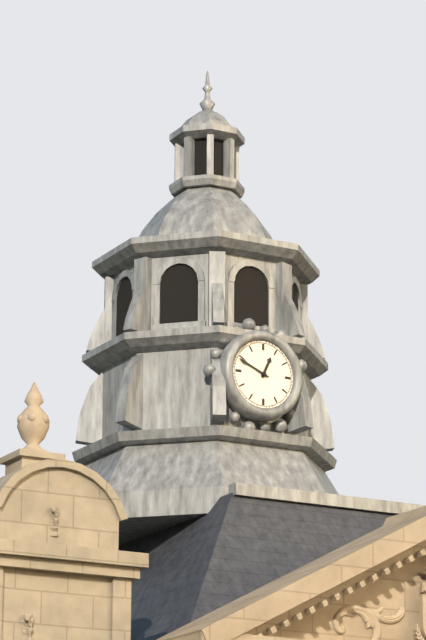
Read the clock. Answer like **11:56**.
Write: **12:49**
